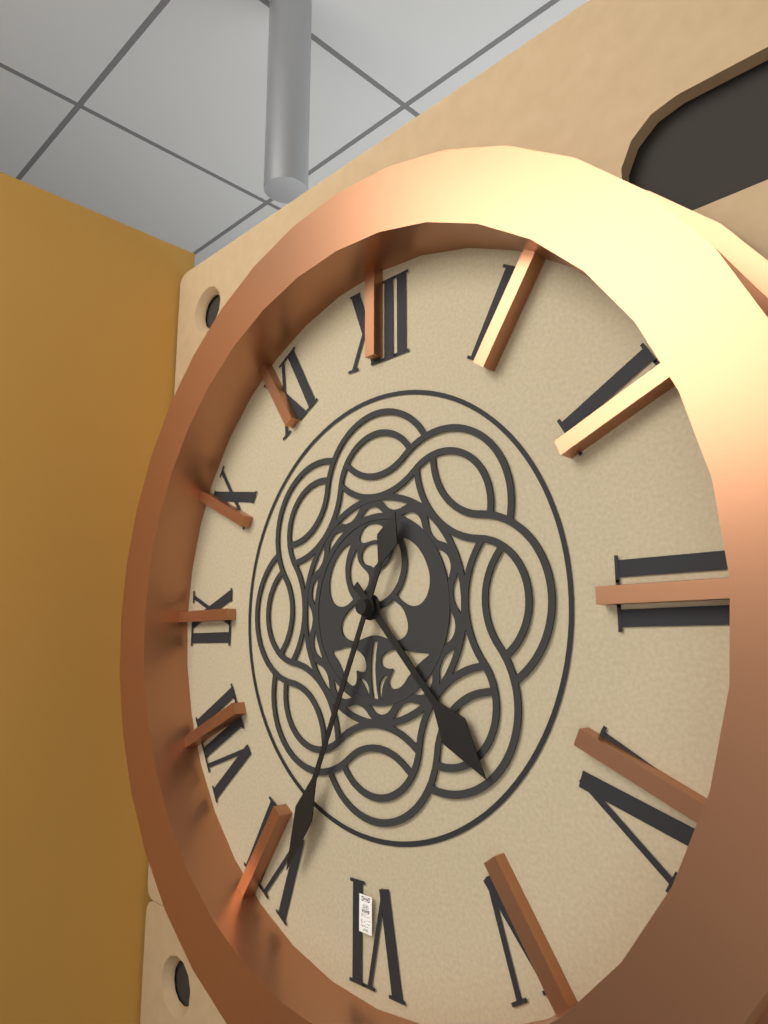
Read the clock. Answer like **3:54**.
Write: **4:34**
